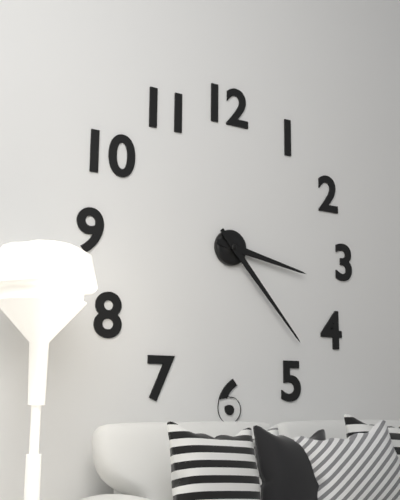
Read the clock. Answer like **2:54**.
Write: **3:23**
